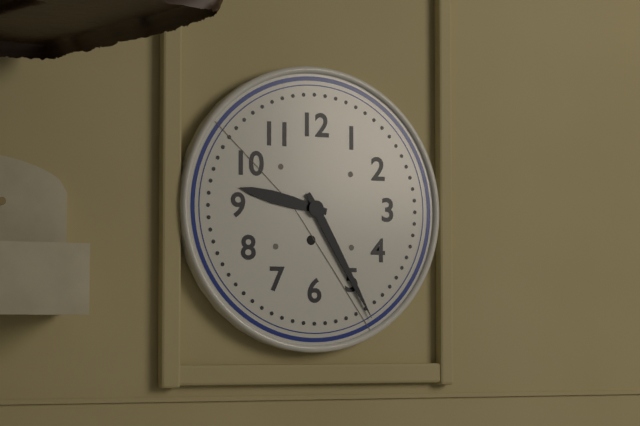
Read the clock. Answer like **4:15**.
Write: **9:25**
